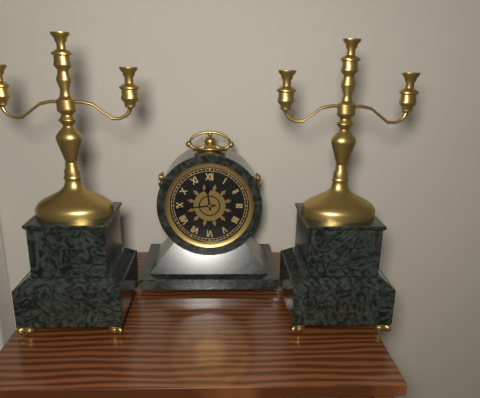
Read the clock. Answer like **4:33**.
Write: **11:44**
